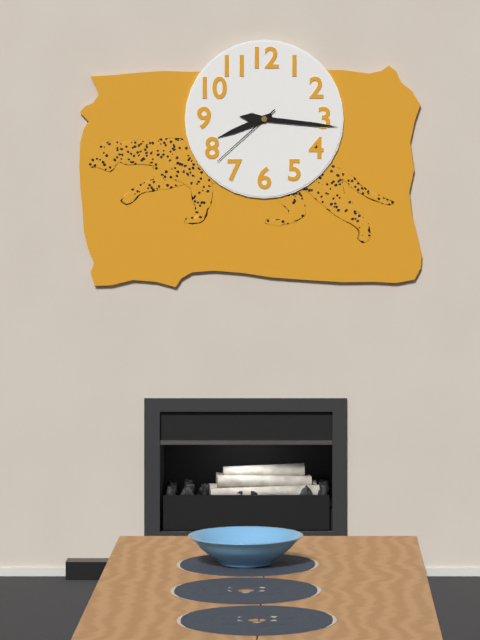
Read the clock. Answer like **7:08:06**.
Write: **8:16:38**
